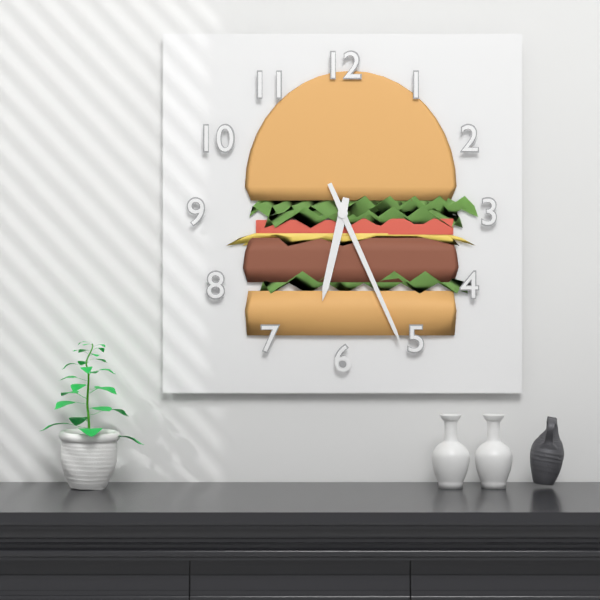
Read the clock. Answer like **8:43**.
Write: **6:26**
